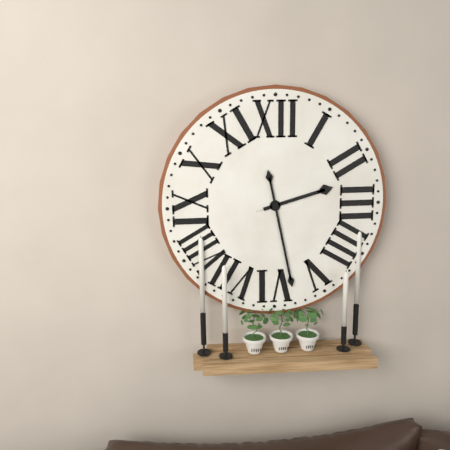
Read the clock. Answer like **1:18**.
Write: **2:28**
